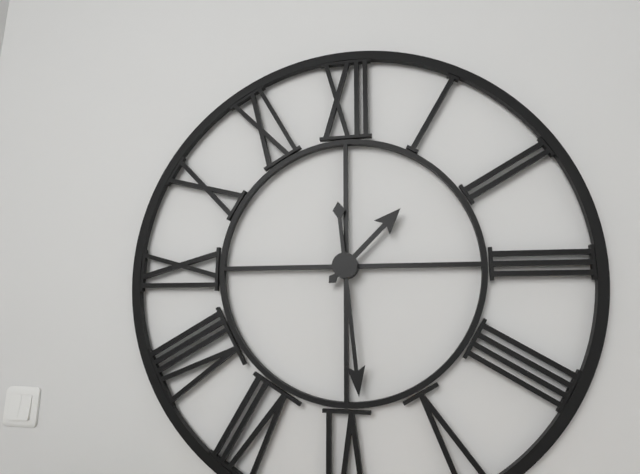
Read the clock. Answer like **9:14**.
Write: **1:29**
